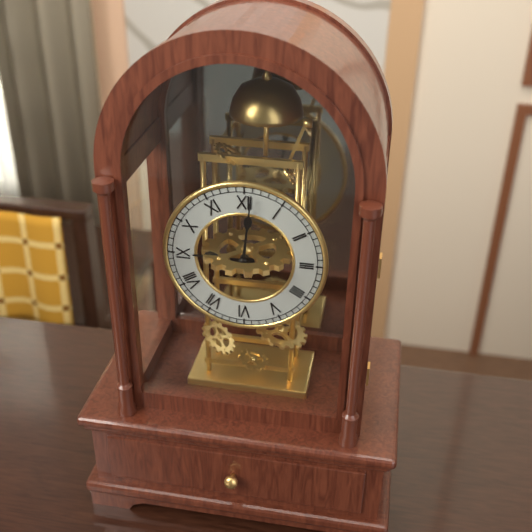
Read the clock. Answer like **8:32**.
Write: **9:01**
